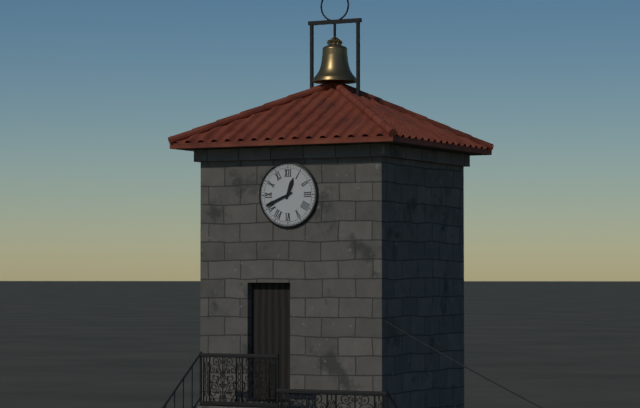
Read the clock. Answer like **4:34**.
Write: **12:41**
